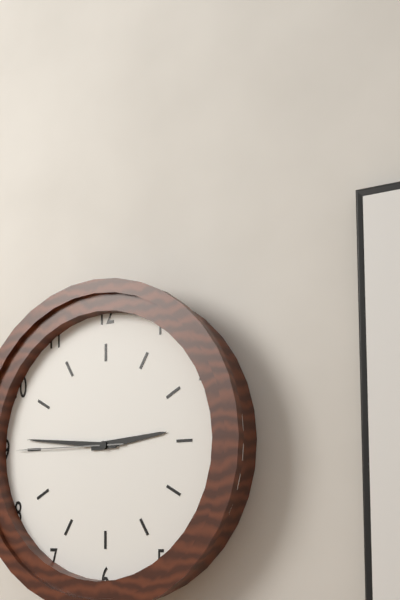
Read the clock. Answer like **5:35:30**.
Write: **2:46:45**
